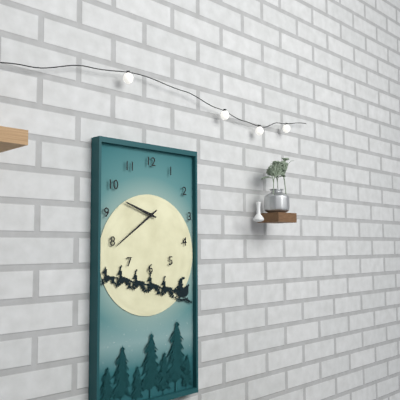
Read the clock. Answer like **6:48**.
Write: **9:39**
